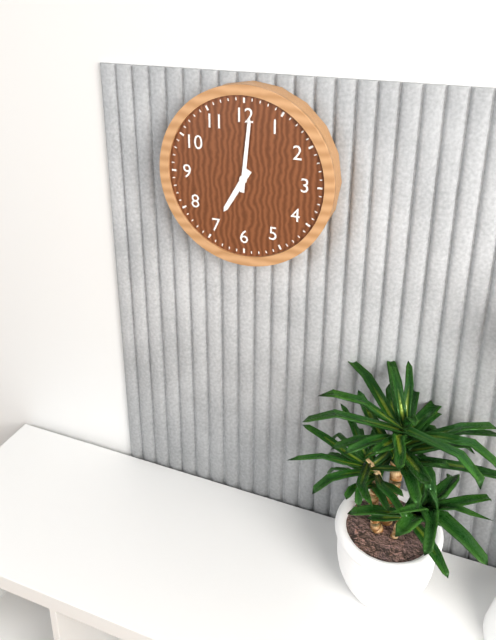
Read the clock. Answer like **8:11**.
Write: **7:01**
